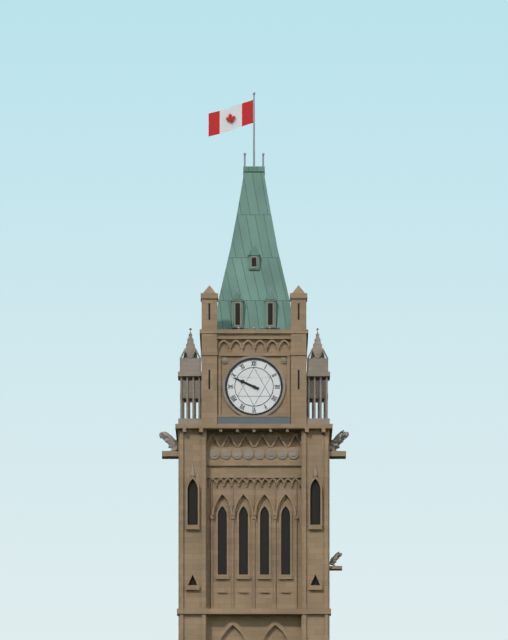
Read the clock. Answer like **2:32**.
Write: **9:49**
